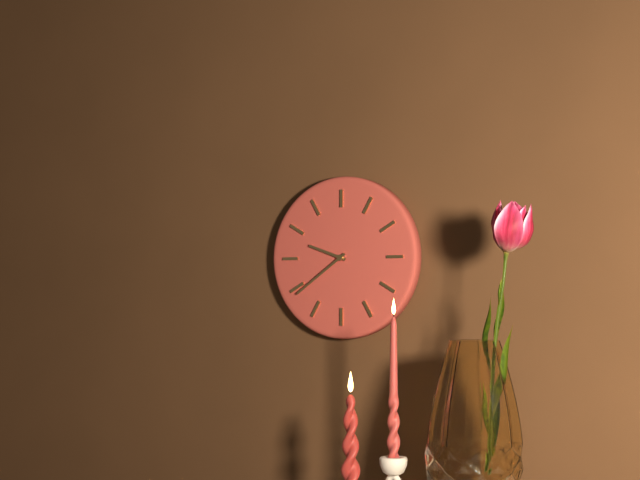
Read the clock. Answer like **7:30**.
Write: **9:39**
